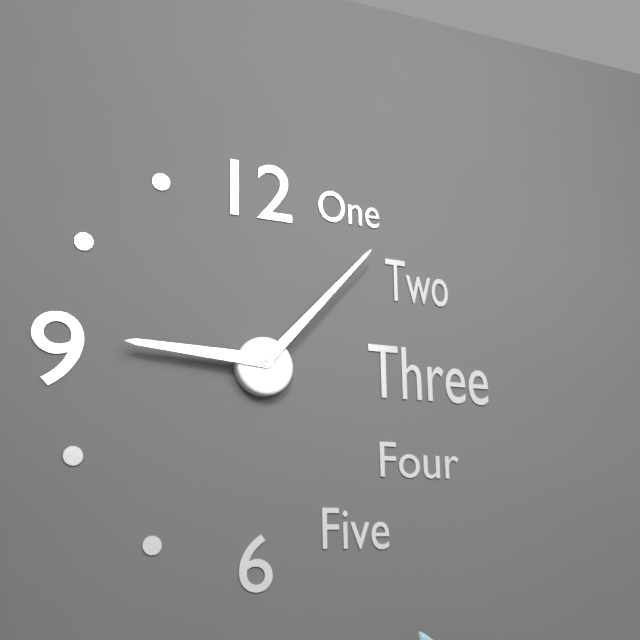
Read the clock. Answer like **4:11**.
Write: **9:07**
